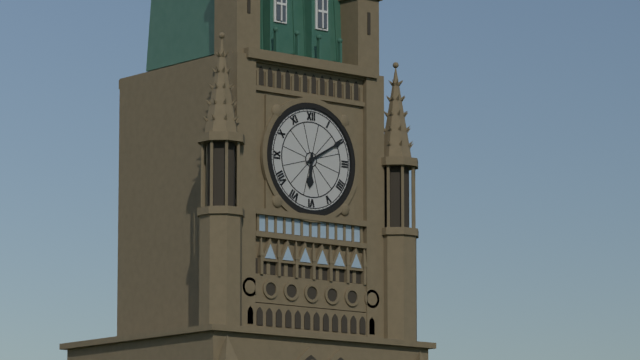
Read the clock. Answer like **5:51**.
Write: **6:10**
